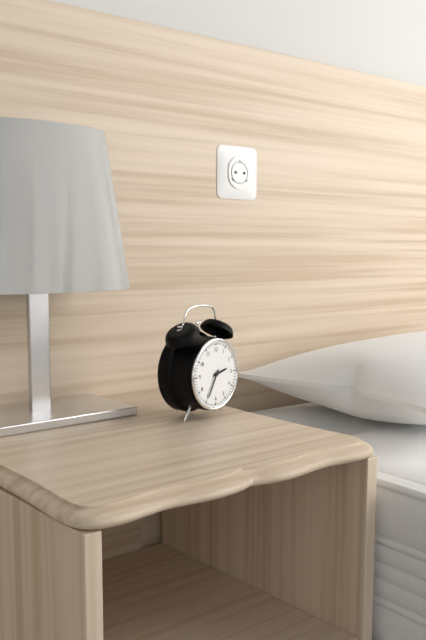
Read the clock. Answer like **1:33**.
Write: **2:35**
